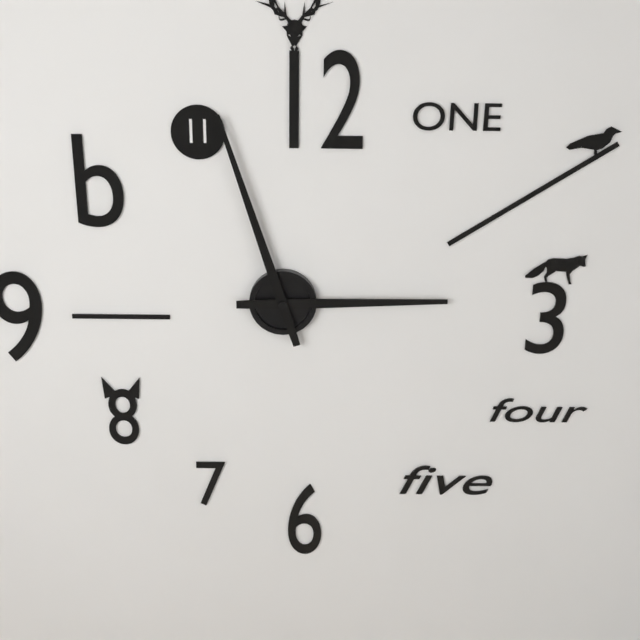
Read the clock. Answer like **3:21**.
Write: **2:57**
